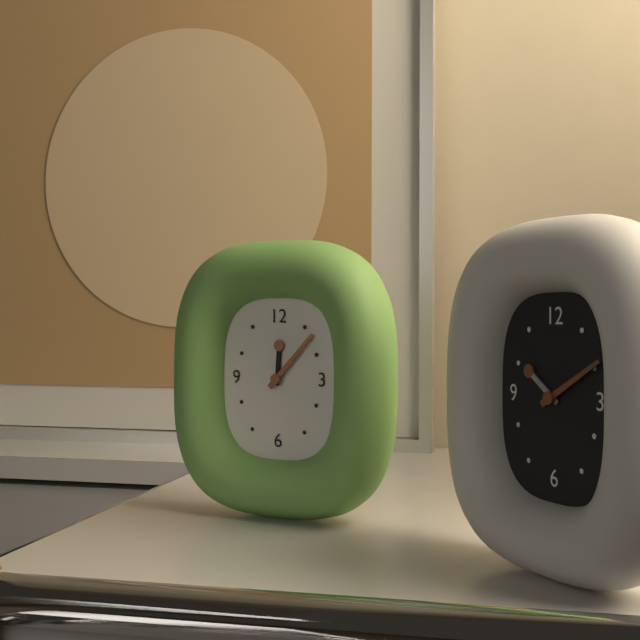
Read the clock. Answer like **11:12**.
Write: **12:07**
